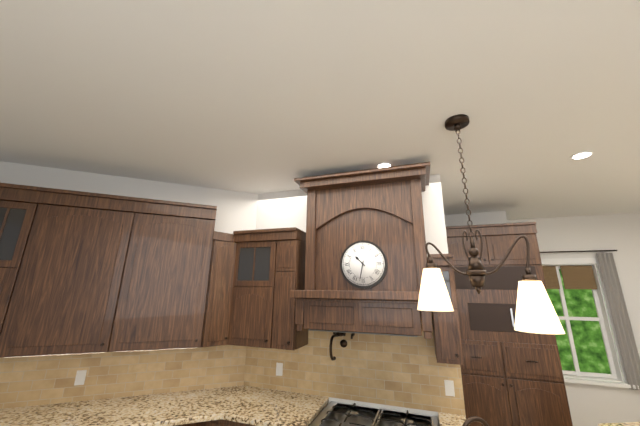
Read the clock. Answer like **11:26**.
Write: **10:32**
